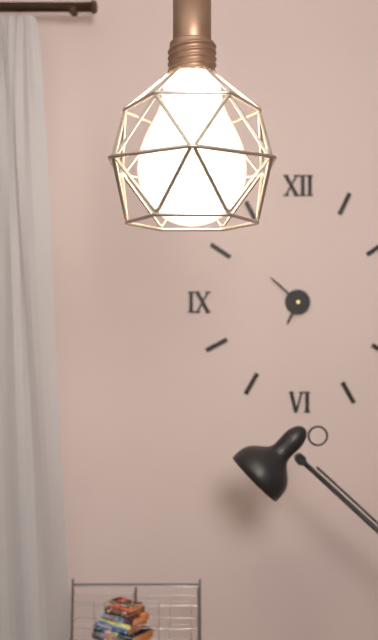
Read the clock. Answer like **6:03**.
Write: **6:52**
